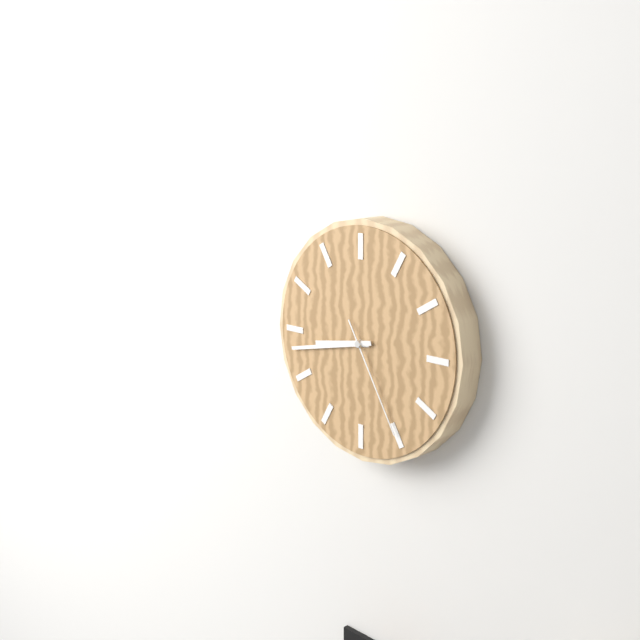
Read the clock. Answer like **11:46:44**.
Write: **8:43:25**
